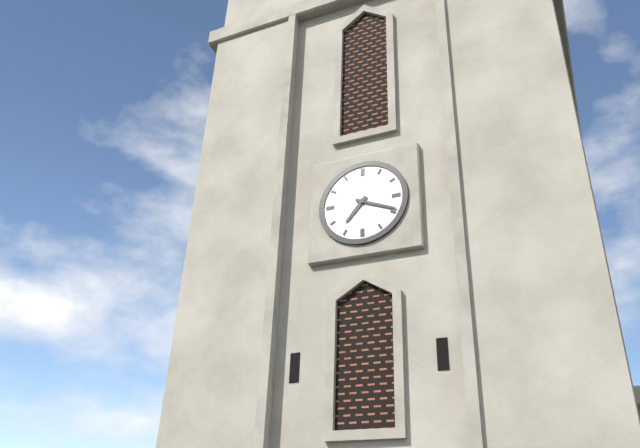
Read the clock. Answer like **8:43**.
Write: **7:19**
